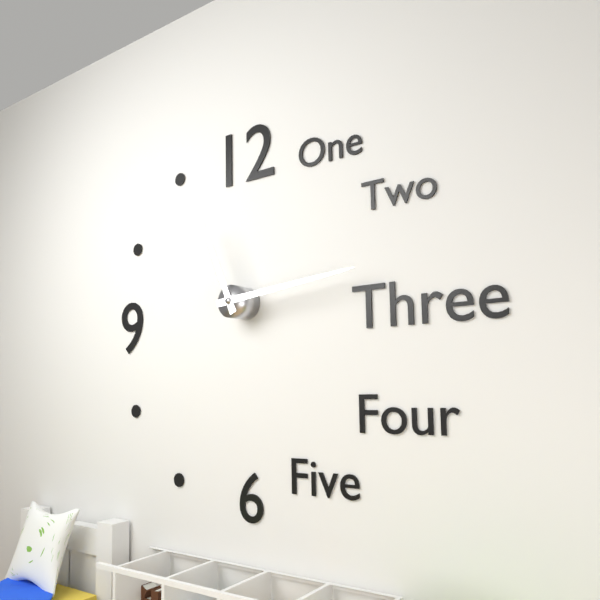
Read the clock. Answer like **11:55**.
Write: **11:14**
